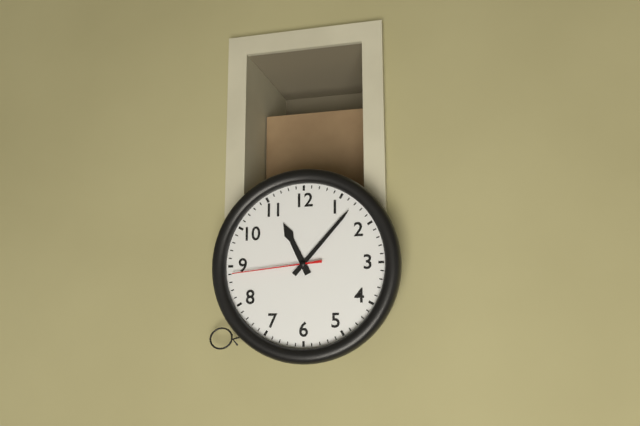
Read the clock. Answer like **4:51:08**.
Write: **11:07:44**
